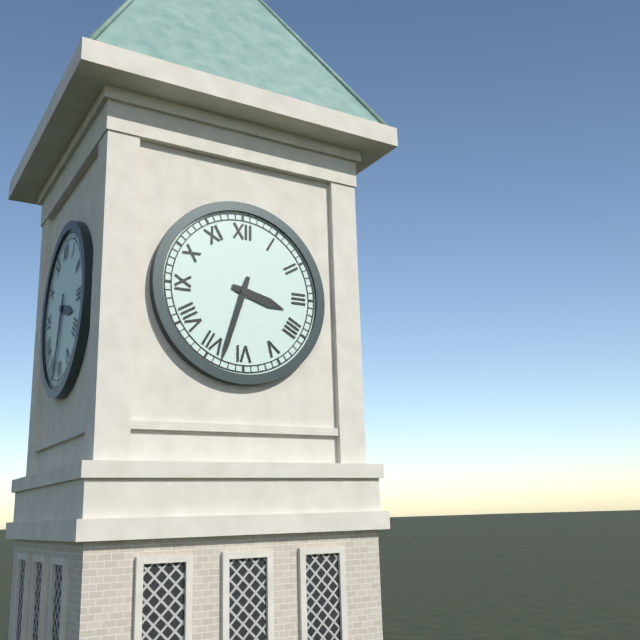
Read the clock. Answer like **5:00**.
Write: **3:33**
